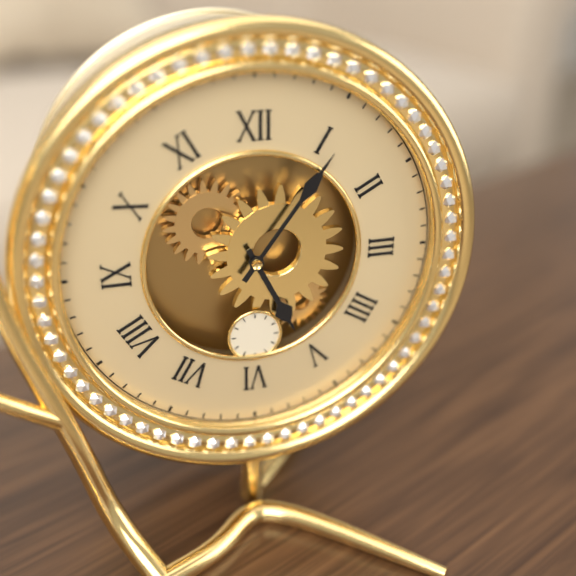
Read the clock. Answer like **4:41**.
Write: **5:06**
